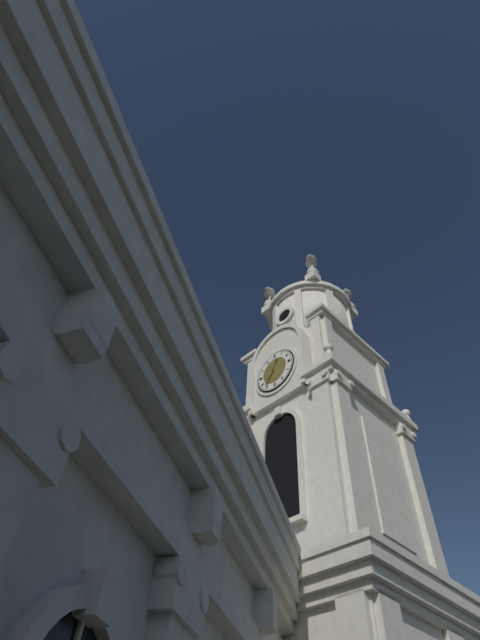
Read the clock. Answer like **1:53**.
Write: **12:36**
